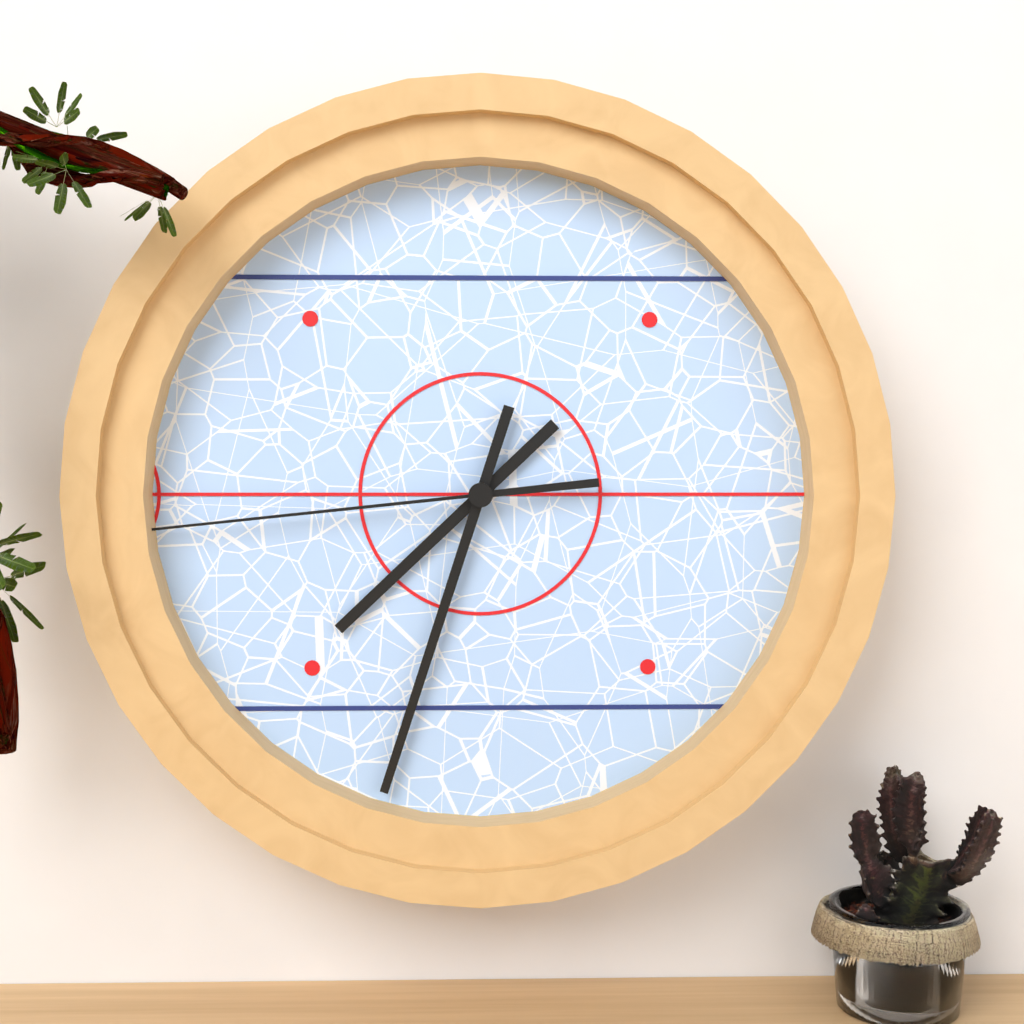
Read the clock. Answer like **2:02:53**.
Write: **7:33:44**
